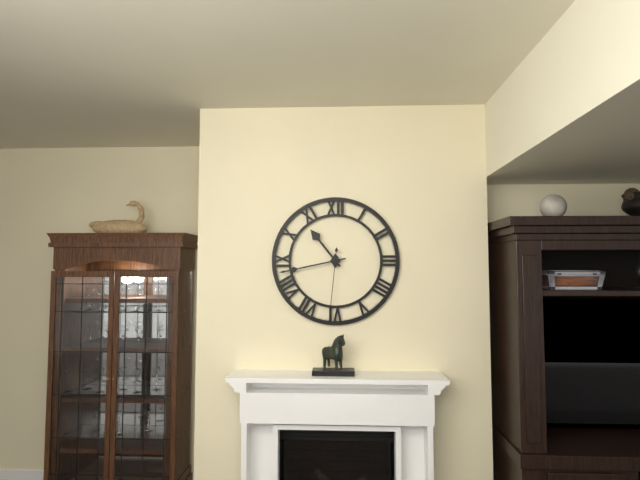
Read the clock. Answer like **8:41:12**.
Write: **10:43:31**
